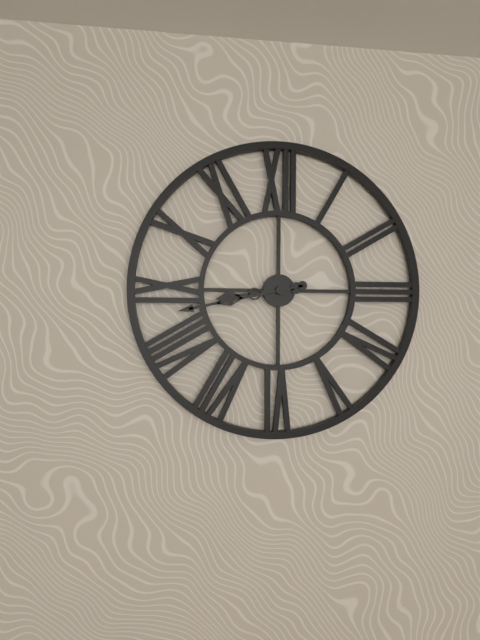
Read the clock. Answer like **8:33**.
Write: **8:43**
